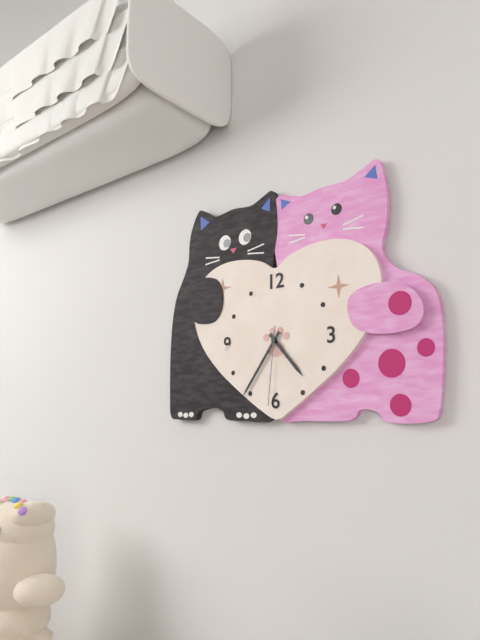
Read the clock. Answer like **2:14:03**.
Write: **4:36:31**
